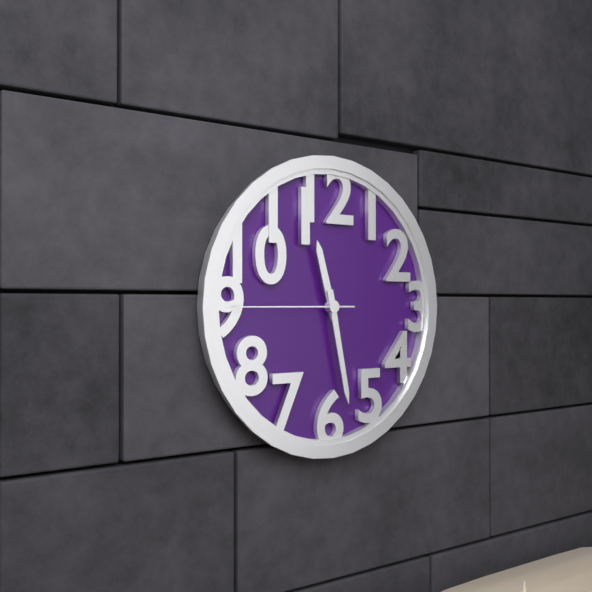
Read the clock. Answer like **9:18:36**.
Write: **11:28:45**
